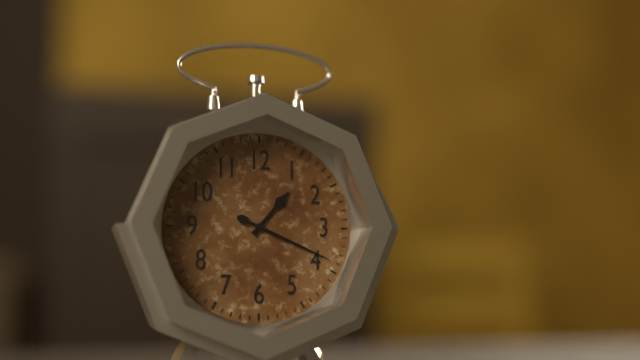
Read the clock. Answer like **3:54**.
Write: **1:19**
